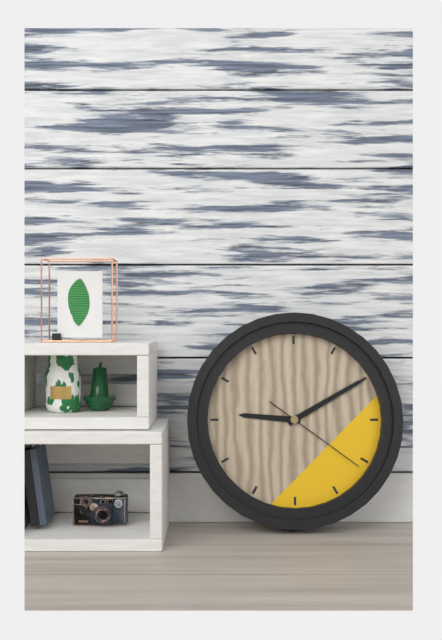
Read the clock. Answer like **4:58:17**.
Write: **9:10:21**
